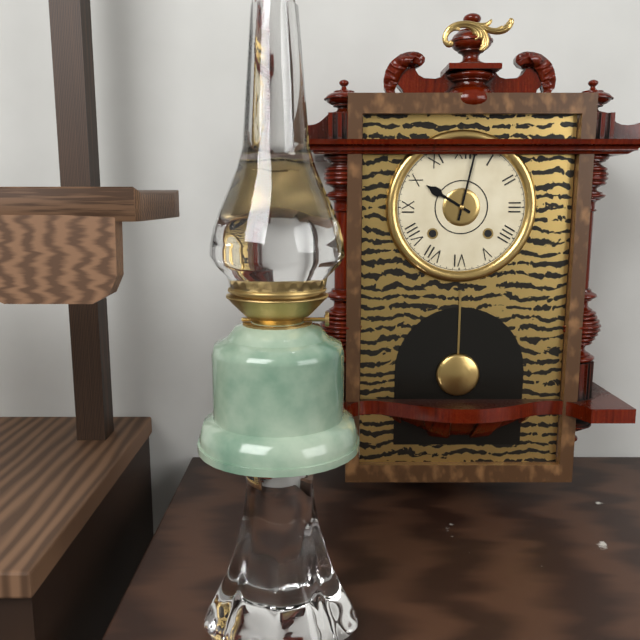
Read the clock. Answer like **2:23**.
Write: **10:02**
